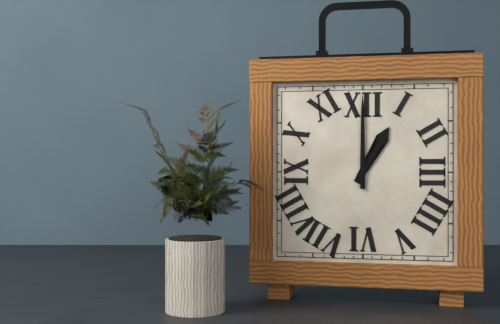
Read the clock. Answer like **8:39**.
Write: **1:00**
